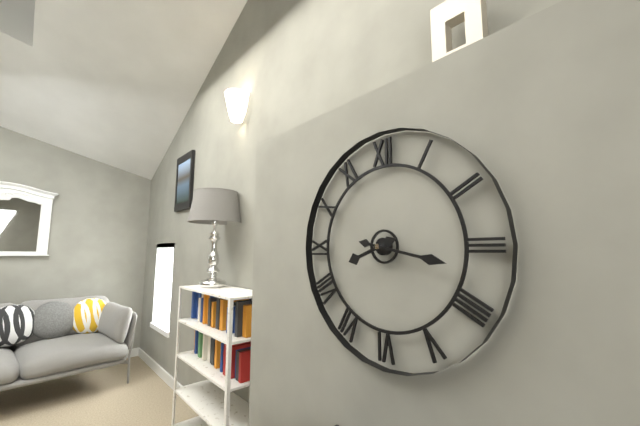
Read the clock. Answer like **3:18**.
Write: **8:17**
